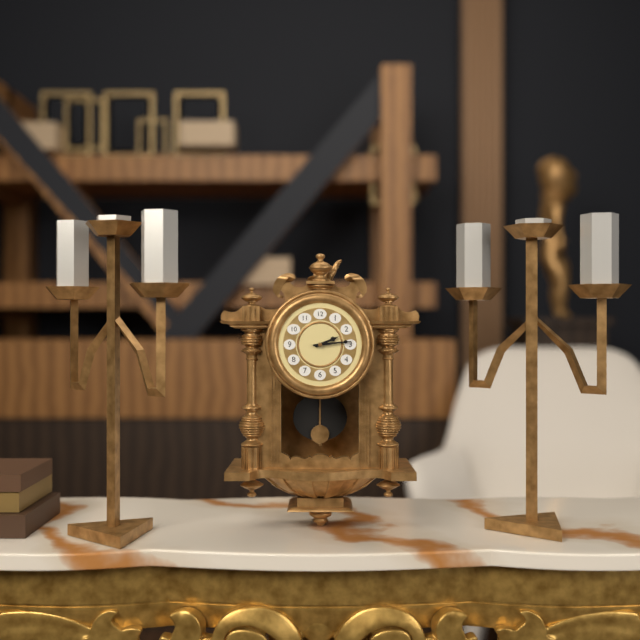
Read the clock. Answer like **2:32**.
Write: **2:14**
